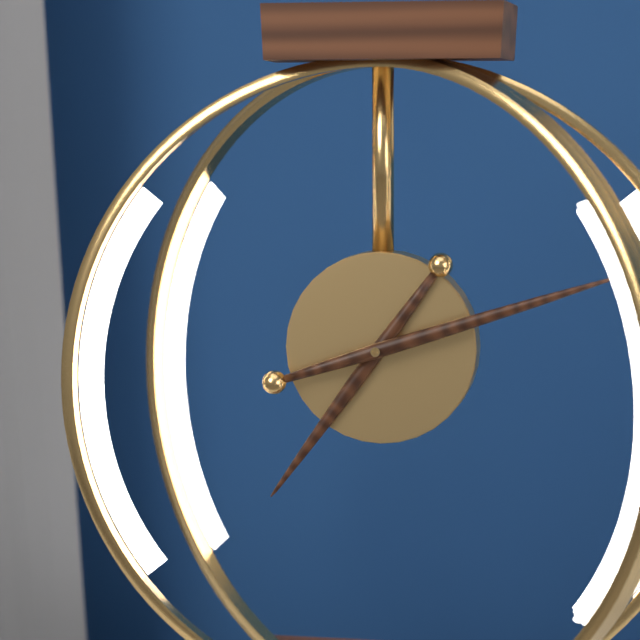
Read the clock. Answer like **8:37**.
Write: **7:12**
